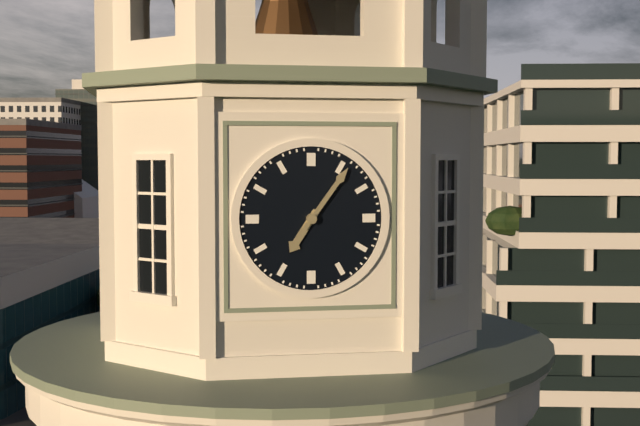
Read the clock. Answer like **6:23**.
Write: **7:06**
